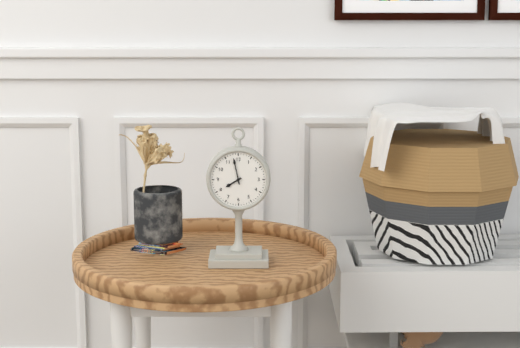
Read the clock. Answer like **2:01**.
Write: **7:58**
